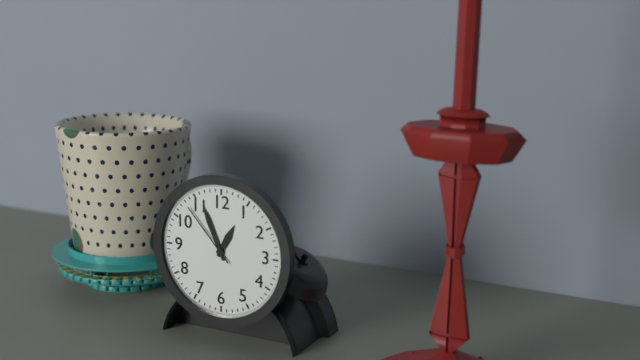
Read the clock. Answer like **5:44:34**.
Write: **12:56:53**
